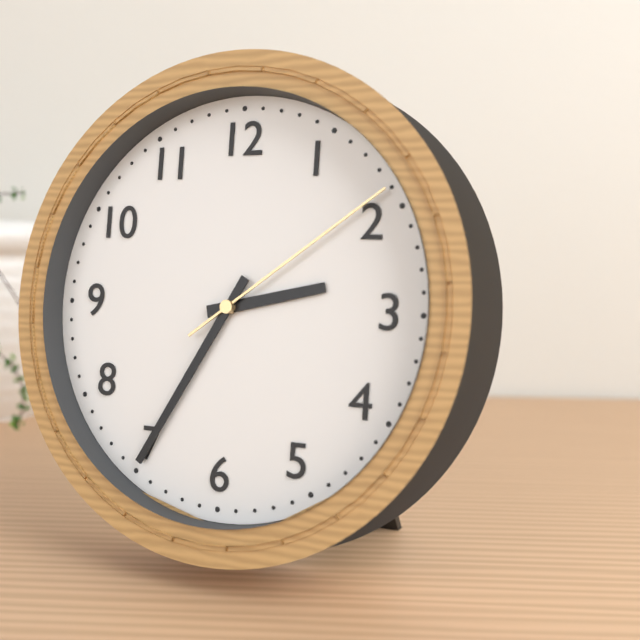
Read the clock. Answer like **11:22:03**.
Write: **2:35:09**
